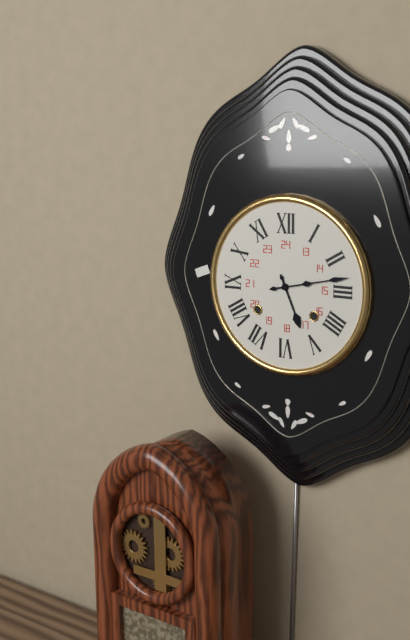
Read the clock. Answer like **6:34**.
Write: **5:13**
